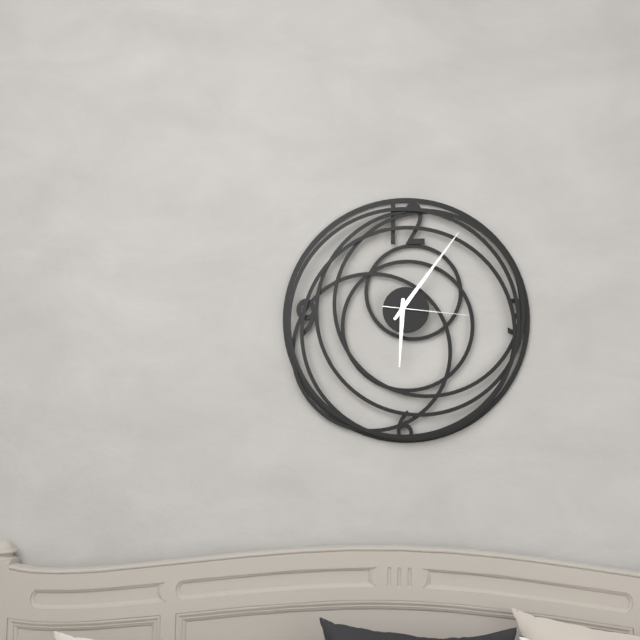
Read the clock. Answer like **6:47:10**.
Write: **6:06:16**
